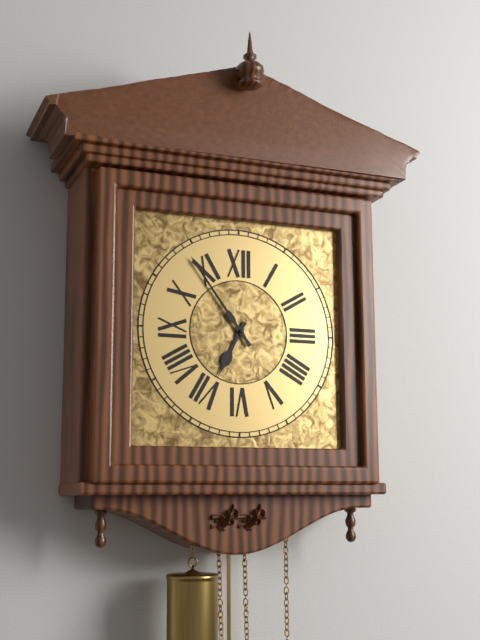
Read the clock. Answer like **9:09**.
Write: **6:54**
